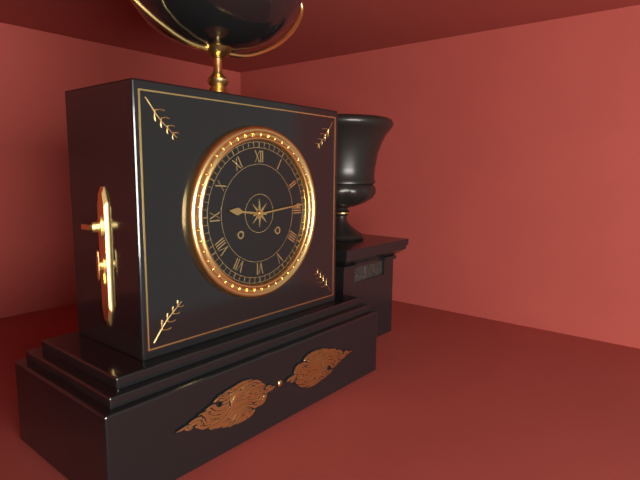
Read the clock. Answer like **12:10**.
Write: **9:14**
